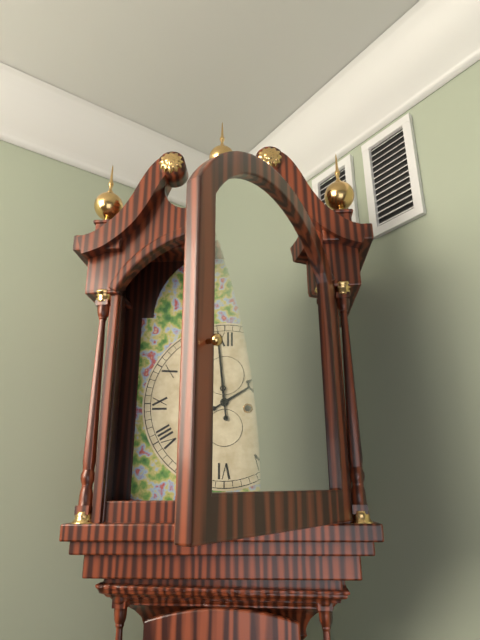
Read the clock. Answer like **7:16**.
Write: **1:59**
